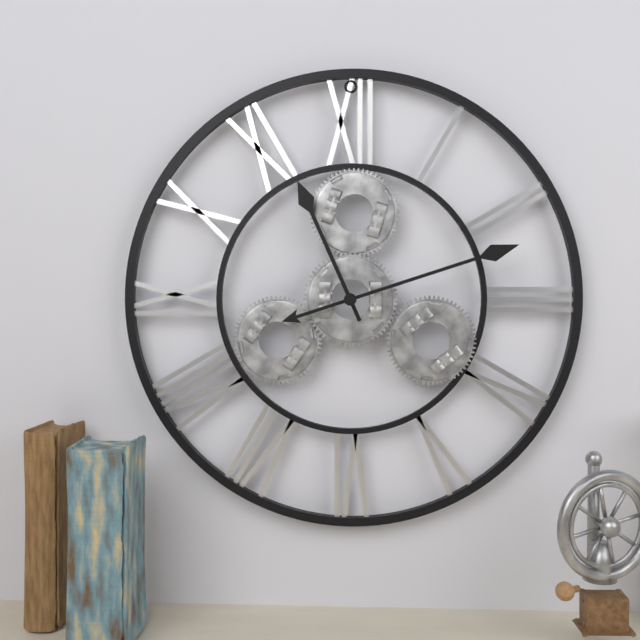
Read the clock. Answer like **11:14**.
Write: **11:12**
